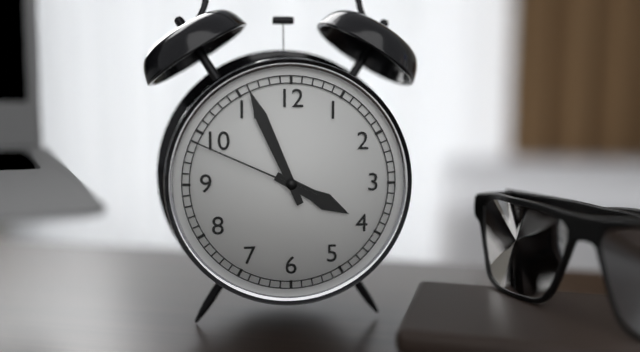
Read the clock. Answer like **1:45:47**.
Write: **3:56:49**
